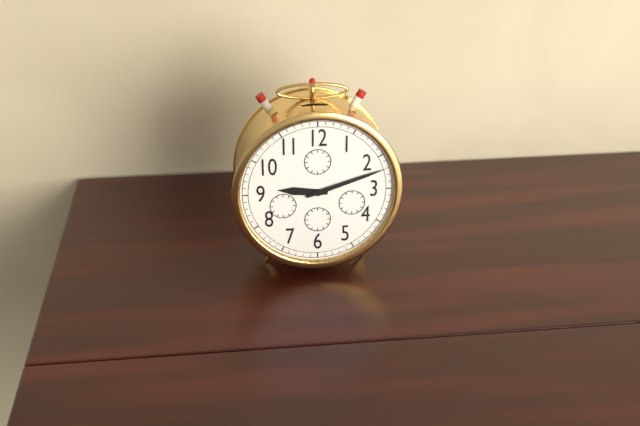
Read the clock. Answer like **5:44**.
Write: **9:12**
